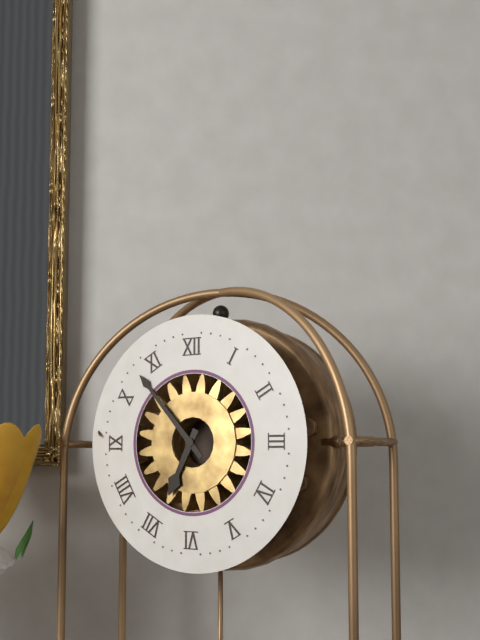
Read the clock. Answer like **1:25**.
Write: **6:53**
